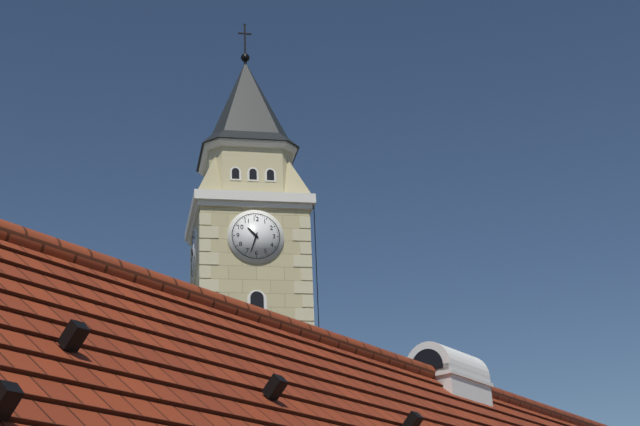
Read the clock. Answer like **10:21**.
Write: **10:33**
